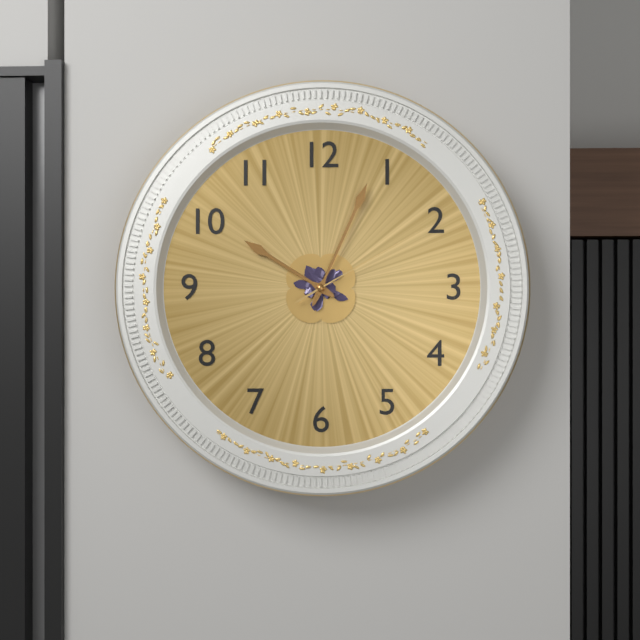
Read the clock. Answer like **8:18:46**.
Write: **10:04:10**
